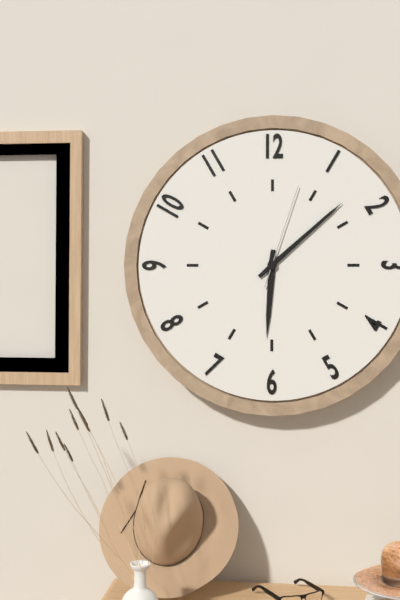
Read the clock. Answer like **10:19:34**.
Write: **6:08:03**
